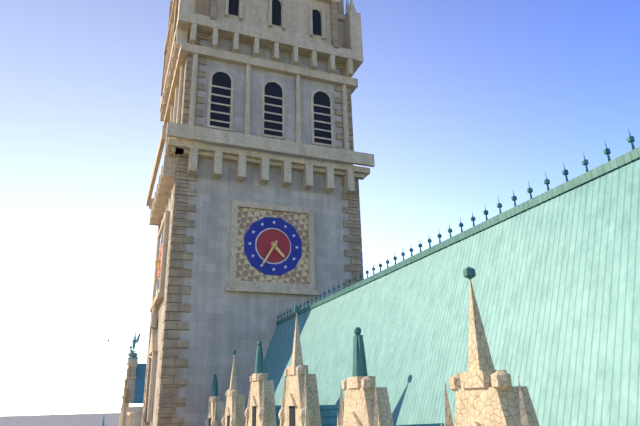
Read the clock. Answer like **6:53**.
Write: **4:35**
